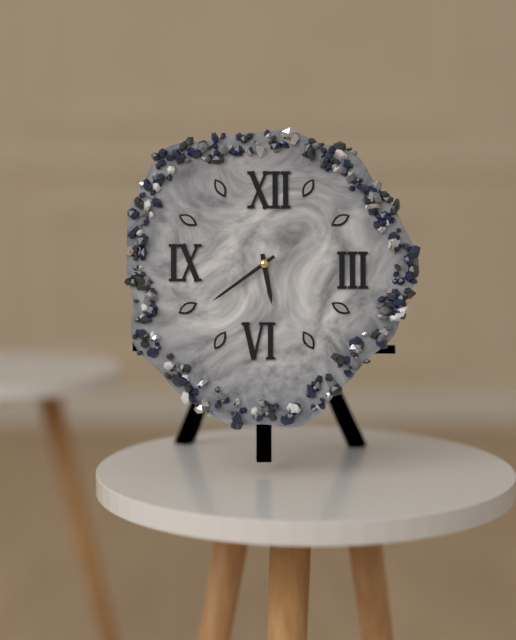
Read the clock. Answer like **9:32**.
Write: **5:39**
